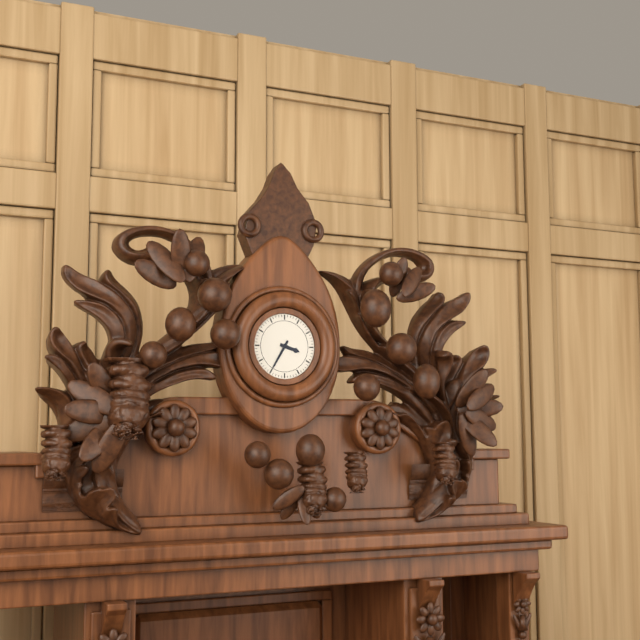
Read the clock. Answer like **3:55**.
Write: **3:35**
